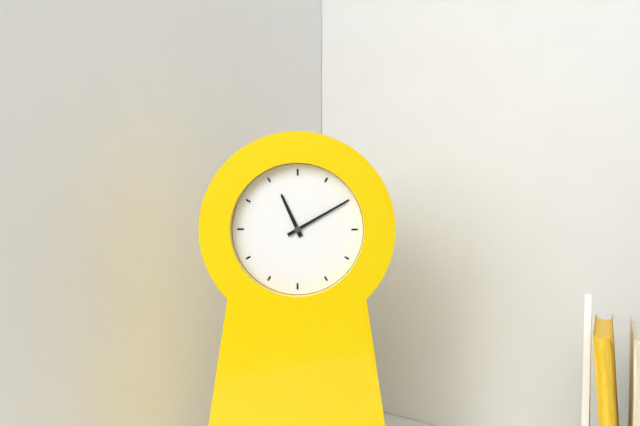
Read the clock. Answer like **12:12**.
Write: **11:10**
